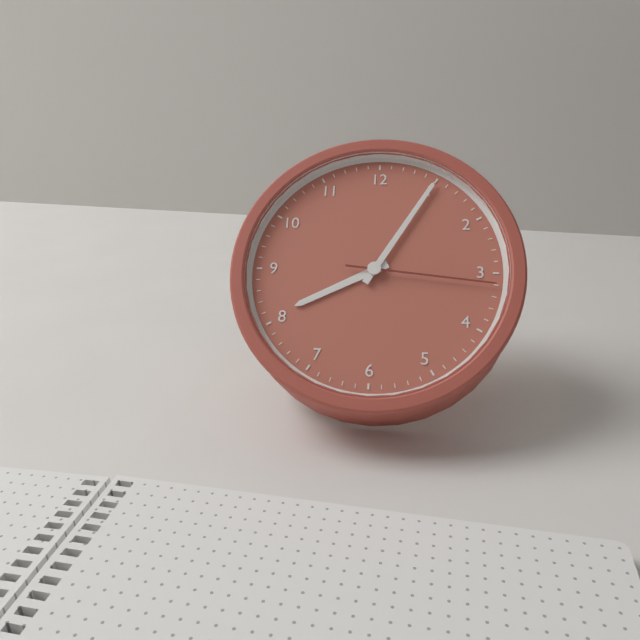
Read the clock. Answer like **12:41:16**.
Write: **8:05:16**
